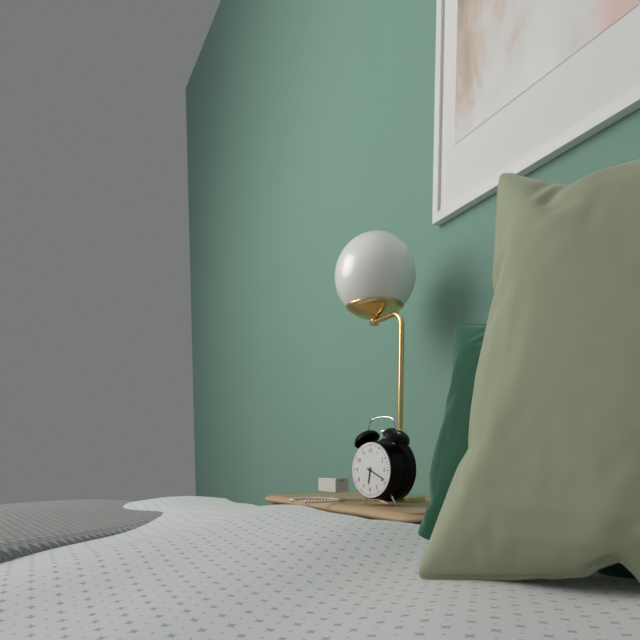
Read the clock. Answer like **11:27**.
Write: **6:19**
